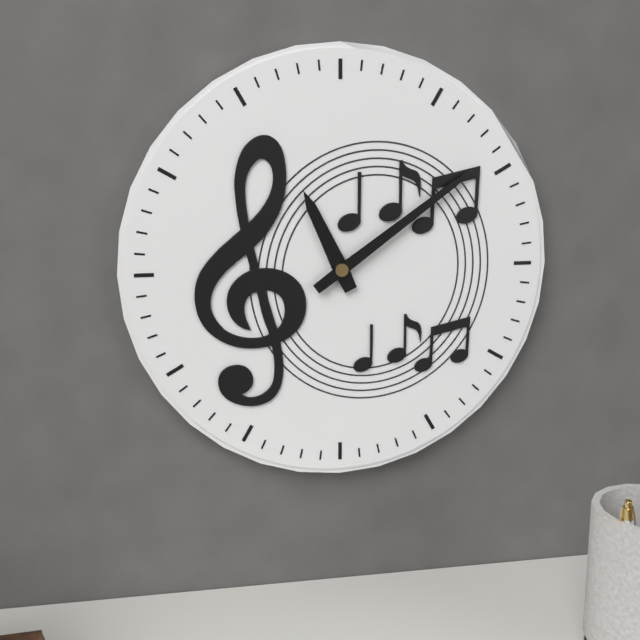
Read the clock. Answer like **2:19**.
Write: **11:09**
